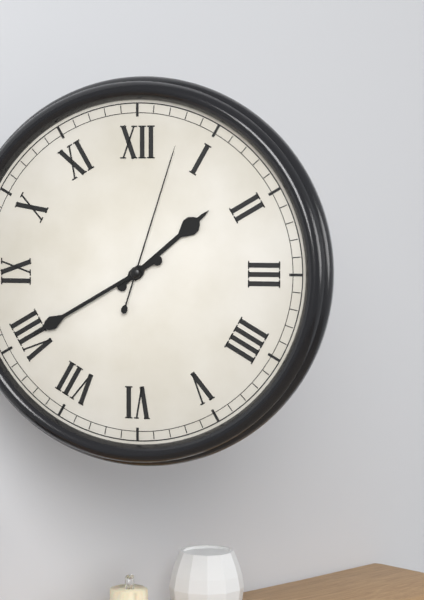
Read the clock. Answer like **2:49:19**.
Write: **1:40:03**
